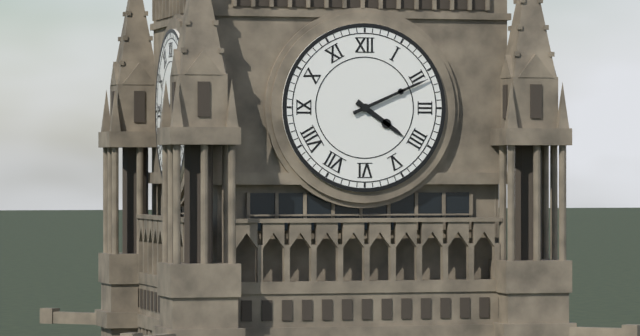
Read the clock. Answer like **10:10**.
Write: **4:11**
